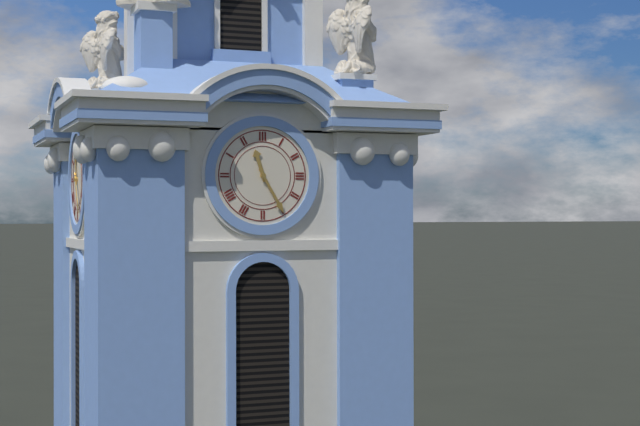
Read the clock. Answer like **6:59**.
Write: **11:25**
